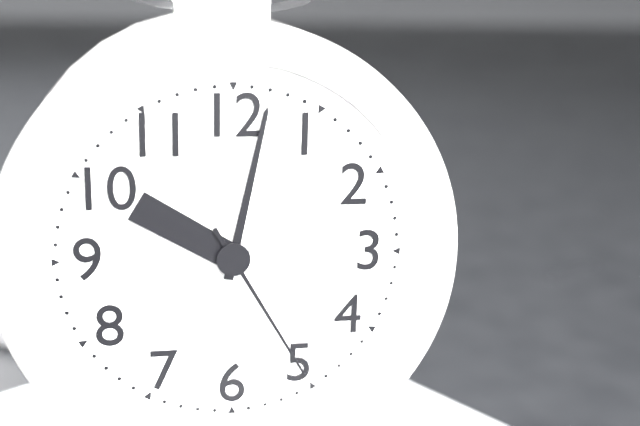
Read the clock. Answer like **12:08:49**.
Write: **10:02:25**
